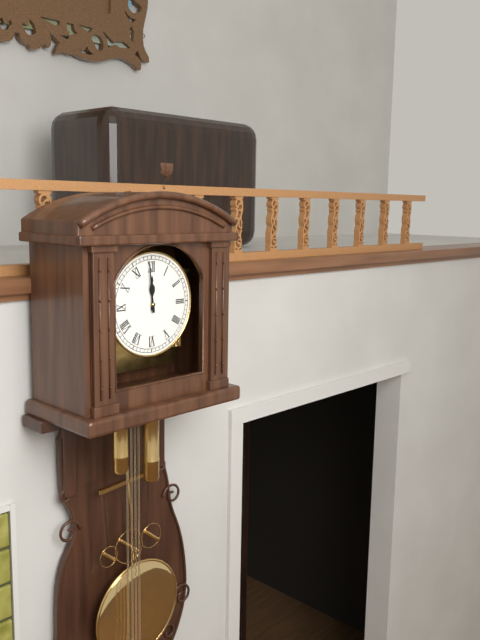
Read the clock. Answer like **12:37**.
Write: **11:59**
